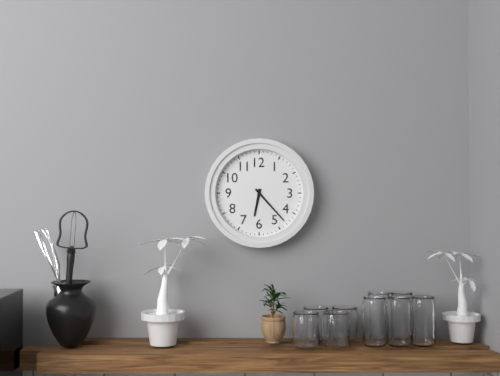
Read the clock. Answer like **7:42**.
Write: **6:23**
